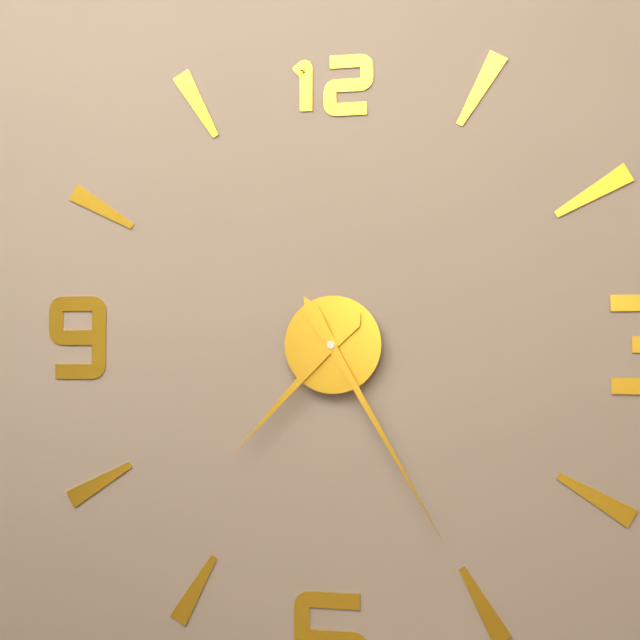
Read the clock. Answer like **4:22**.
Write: **7:25**
